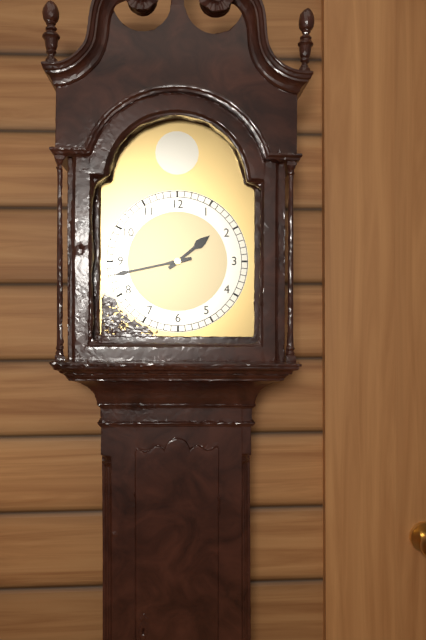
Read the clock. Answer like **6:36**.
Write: **1:43**
